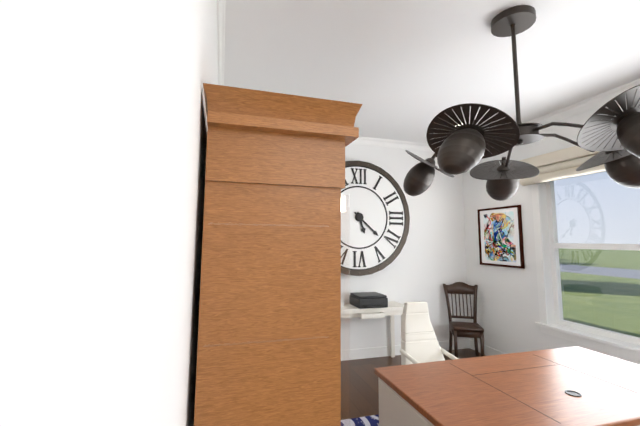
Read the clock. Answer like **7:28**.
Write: **5:22**
